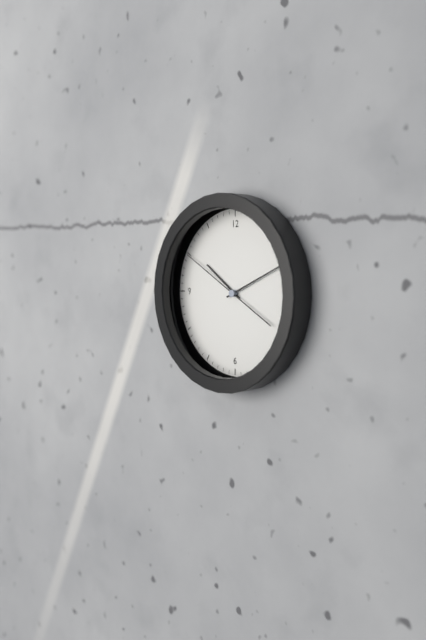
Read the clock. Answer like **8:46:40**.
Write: **10:11:50**
